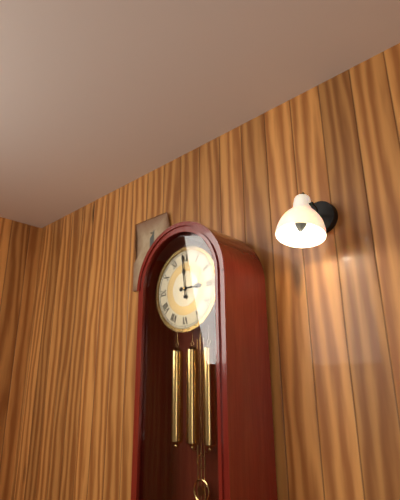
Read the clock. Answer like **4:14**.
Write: **2:59**
